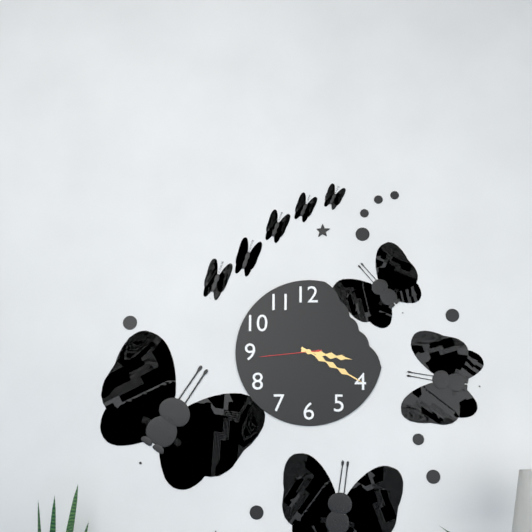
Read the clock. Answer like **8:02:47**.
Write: **3:20:44**
